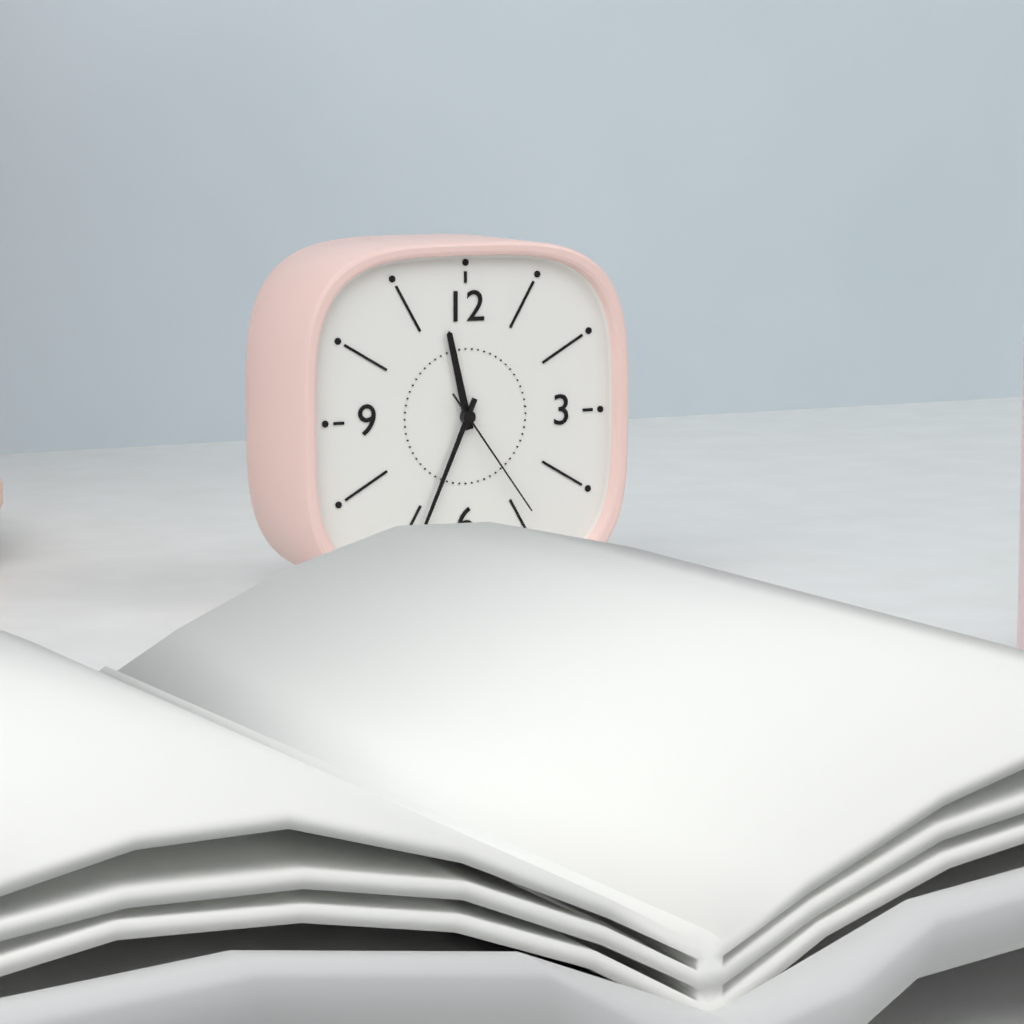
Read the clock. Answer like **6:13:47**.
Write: **11:34:24**
